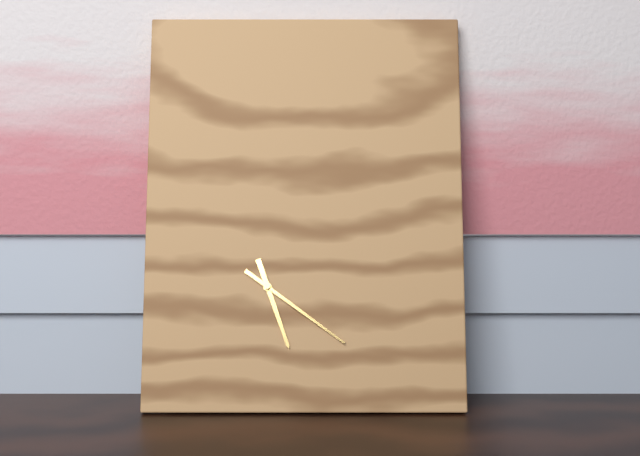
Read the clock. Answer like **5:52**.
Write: **5:21**
